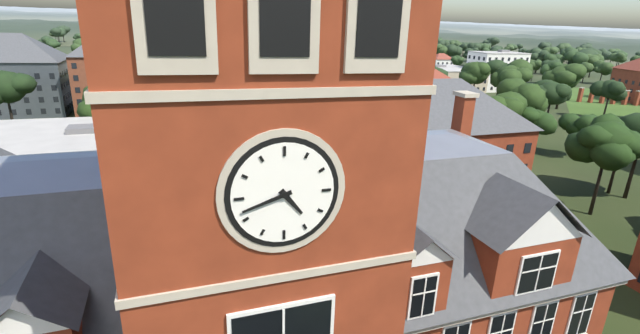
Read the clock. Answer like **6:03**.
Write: **4:42**
